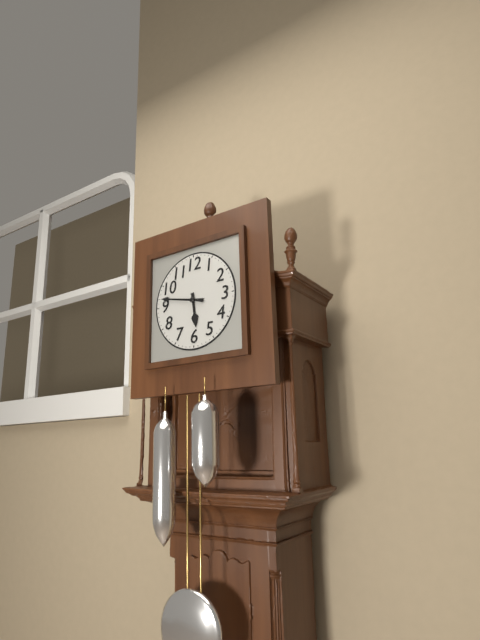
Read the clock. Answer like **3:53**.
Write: **5:47**
